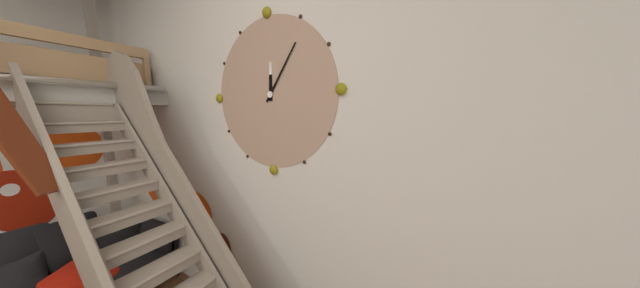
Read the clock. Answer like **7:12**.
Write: **12:06**
